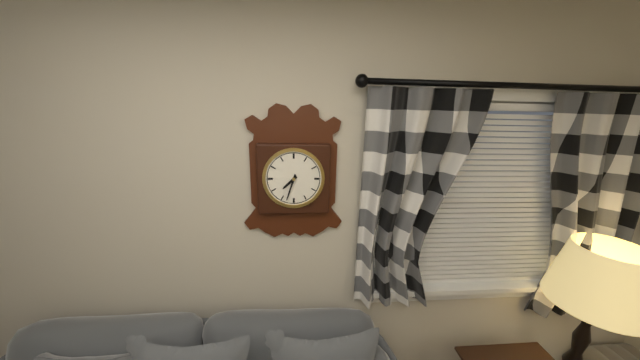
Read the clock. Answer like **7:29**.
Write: **7:33**
